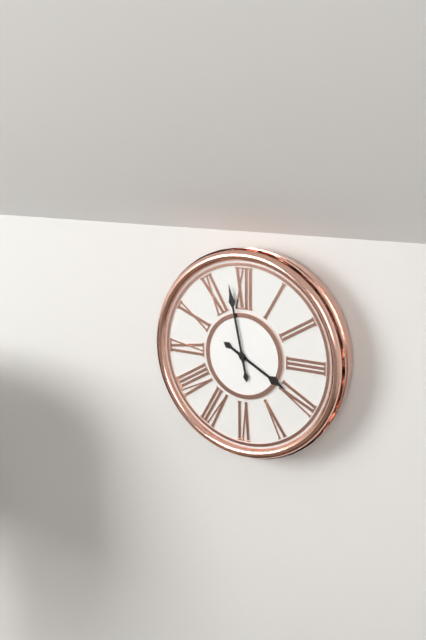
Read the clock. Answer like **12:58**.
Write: **3:58**
